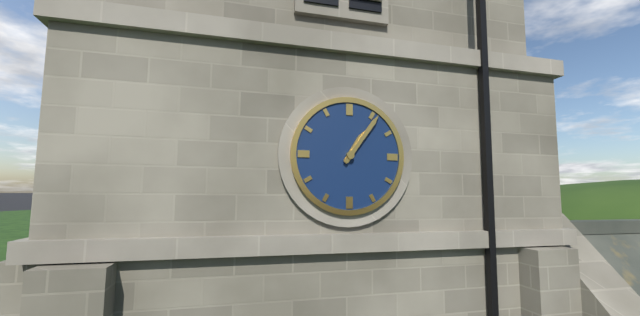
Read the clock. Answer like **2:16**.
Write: **1:06**
